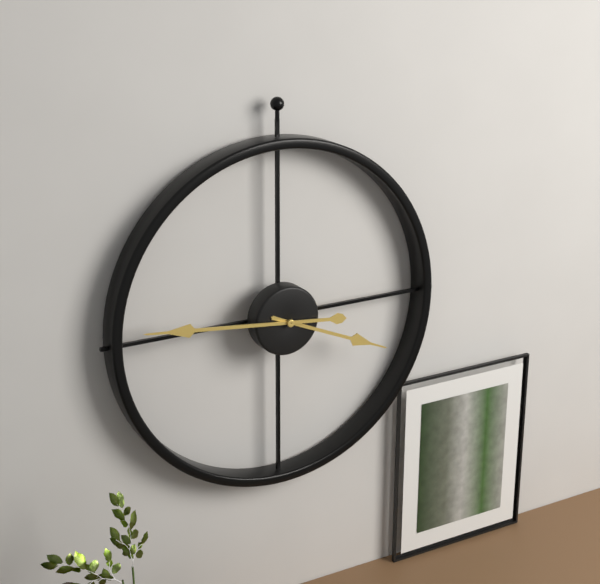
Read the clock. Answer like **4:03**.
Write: **3:46**
